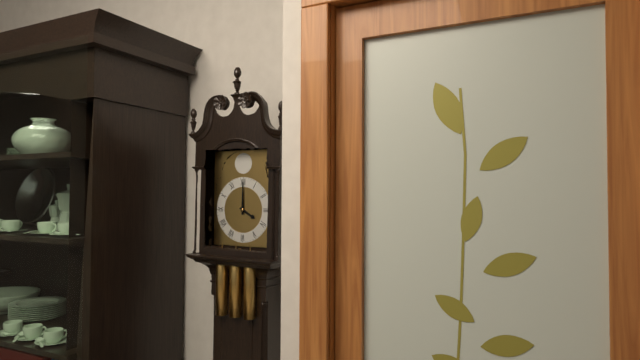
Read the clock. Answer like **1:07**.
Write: **4:00**
